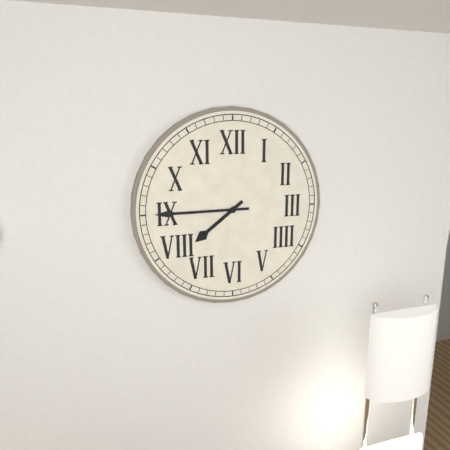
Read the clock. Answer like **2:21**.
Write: **7:45**
